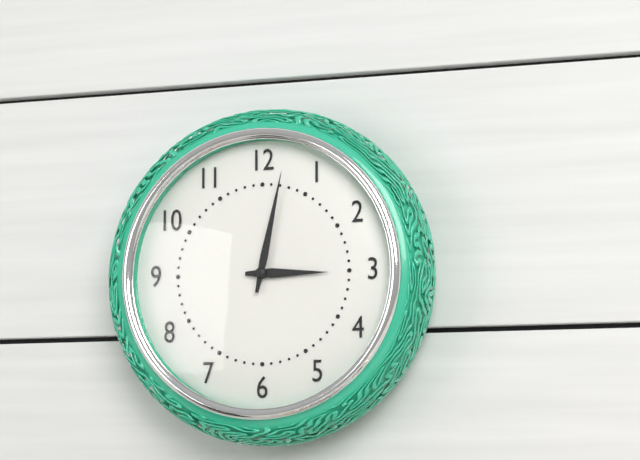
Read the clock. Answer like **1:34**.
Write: **3:02**
